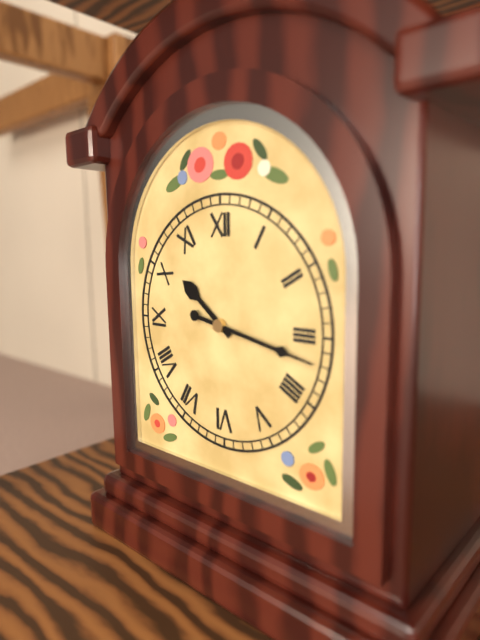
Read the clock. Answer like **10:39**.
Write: **10:17**
